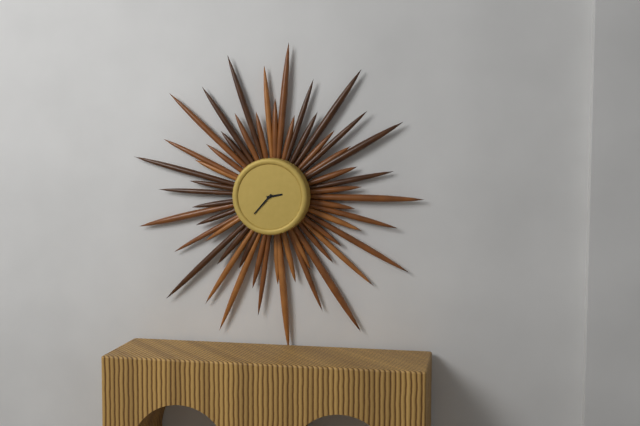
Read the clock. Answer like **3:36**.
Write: **2:37**
